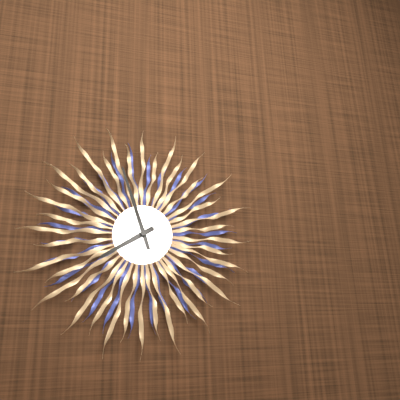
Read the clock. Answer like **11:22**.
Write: **7:57**
